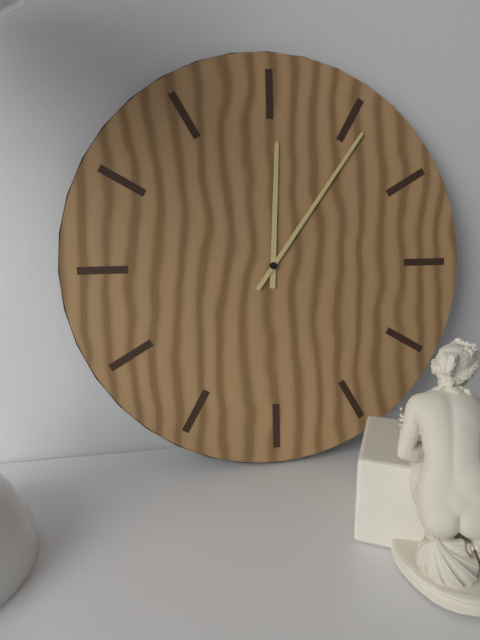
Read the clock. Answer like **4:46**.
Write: **12:06**
